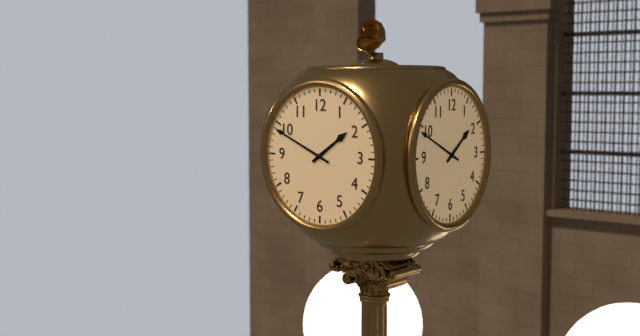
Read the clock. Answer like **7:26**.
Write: **1:49**
